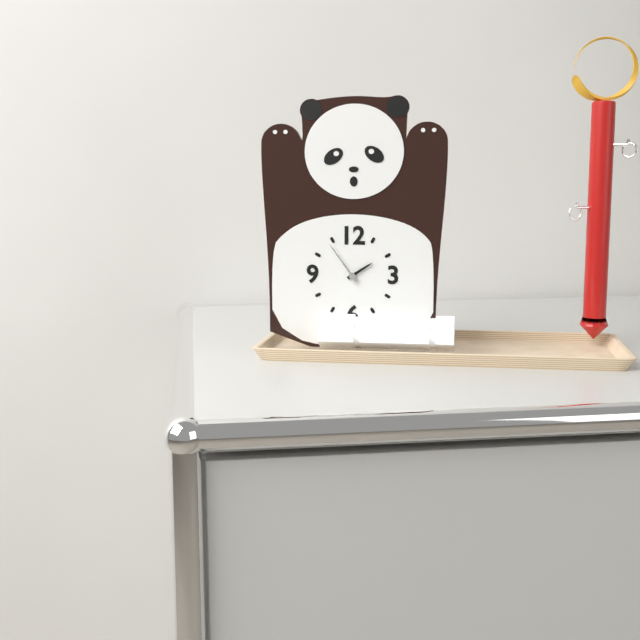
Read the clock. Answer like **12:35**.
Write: **1:54**
